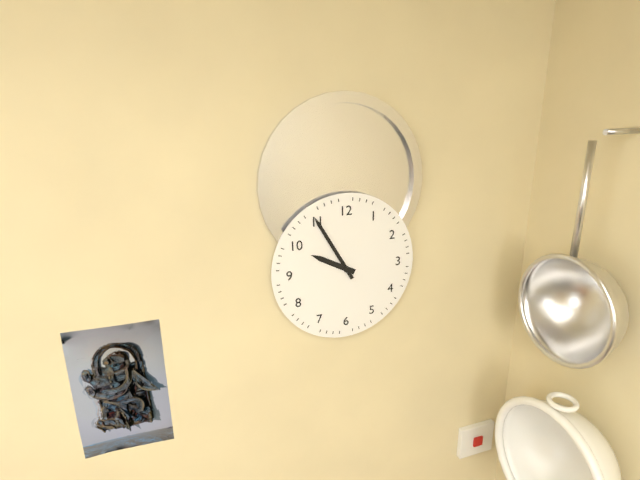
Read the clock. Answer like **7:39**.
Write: **9:55**
